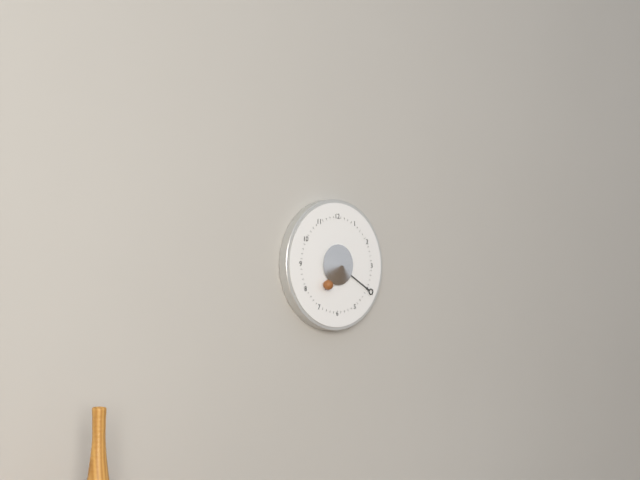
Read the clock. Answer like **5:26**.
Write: **7:20**
